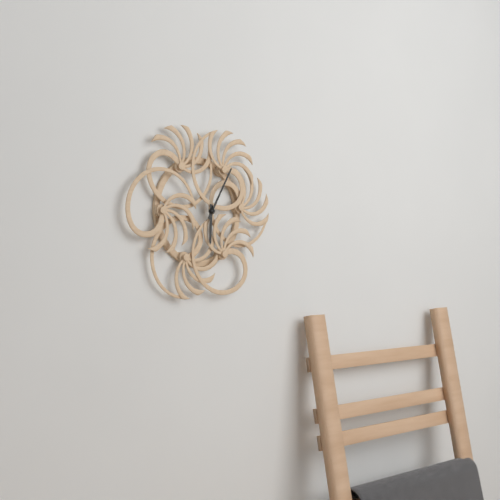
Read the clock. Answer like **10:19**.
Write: **6:05**
